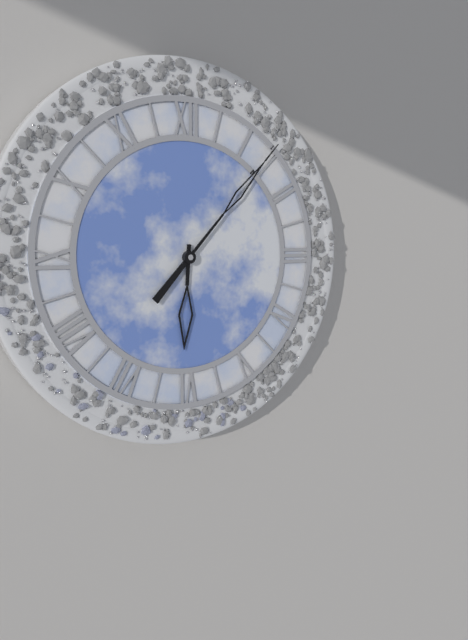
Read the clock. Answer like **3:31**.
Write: **6:07**
